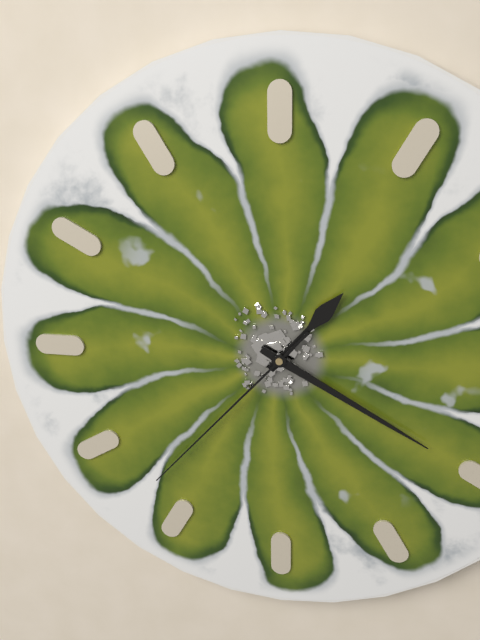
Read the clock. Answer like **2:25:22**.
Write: **1:20:37**
